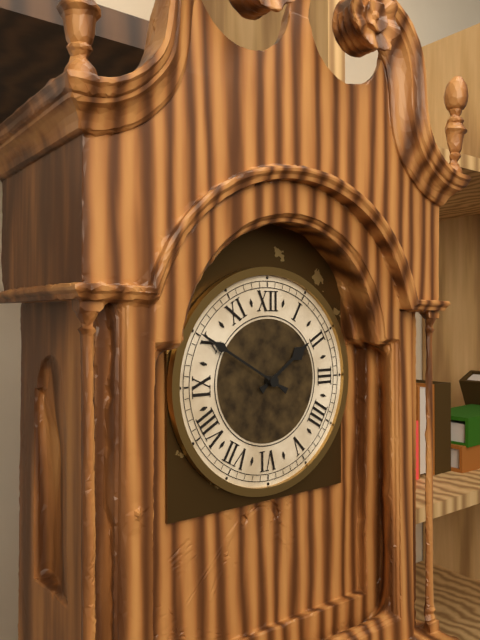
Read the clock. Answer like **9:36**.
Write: **1:50**
